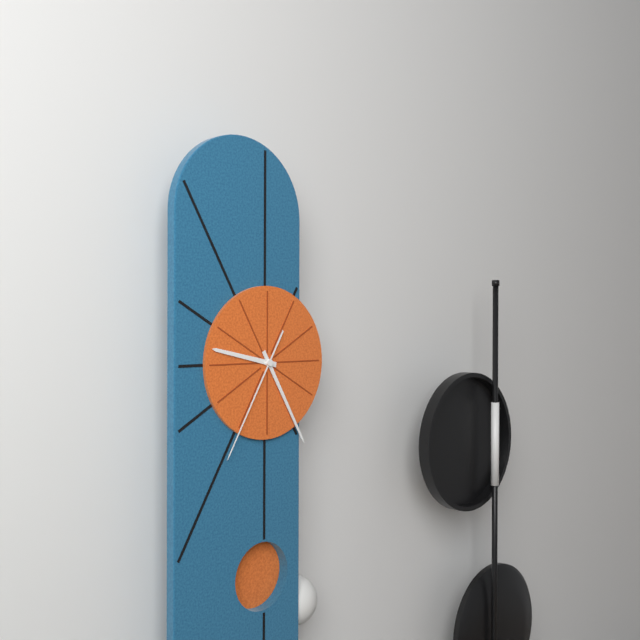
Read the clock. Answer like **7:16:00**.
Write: **9:25:35**
